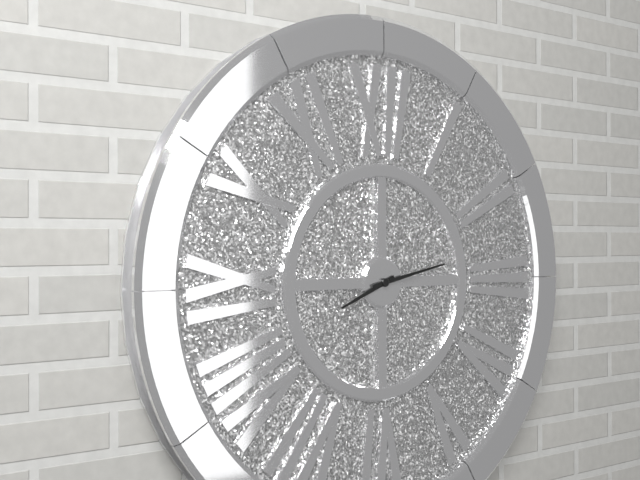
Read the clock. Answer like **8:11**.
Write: **8:13**
